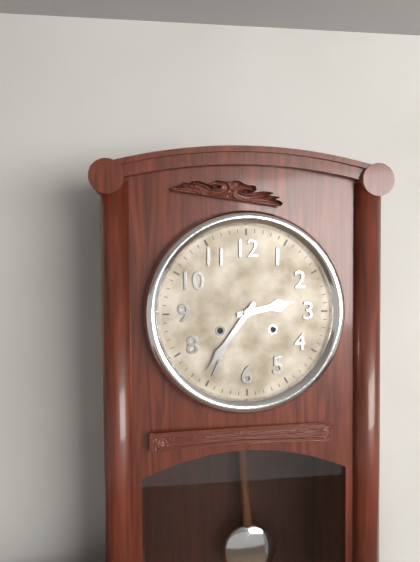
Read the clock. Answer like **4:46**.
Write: **2:36**
